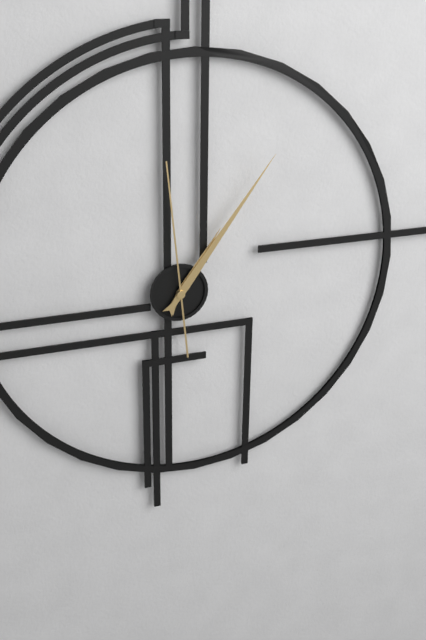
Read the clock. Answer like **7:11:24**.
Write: **1:06:59**
